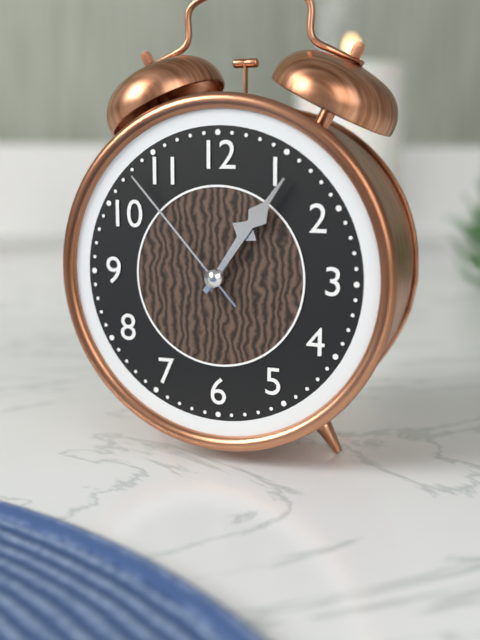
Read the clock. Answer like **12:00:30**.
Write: **1:06:53**
